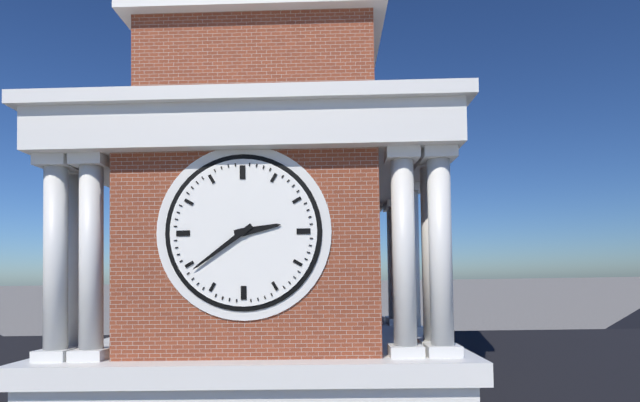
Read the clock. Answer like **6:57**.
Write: **2:39**
